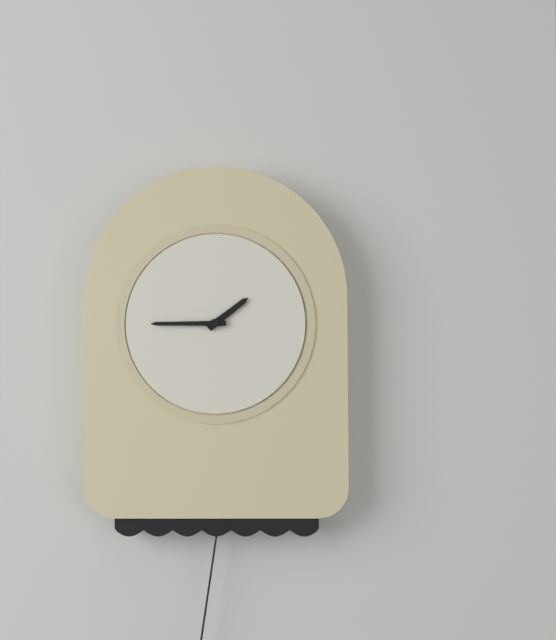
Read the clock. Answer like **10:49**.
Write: **1:45**
